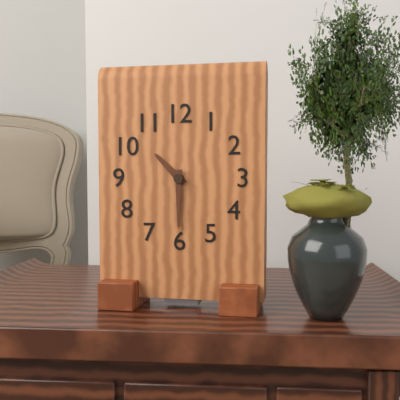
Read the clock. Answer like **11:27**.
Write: **10:30**
